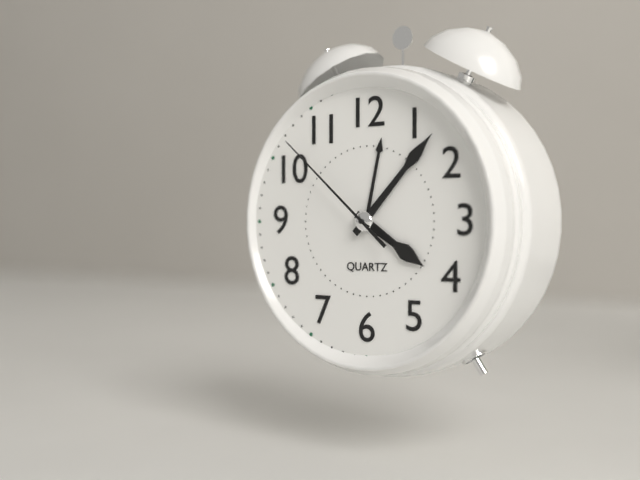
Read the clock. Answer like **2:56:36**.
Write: **4:07:52**
